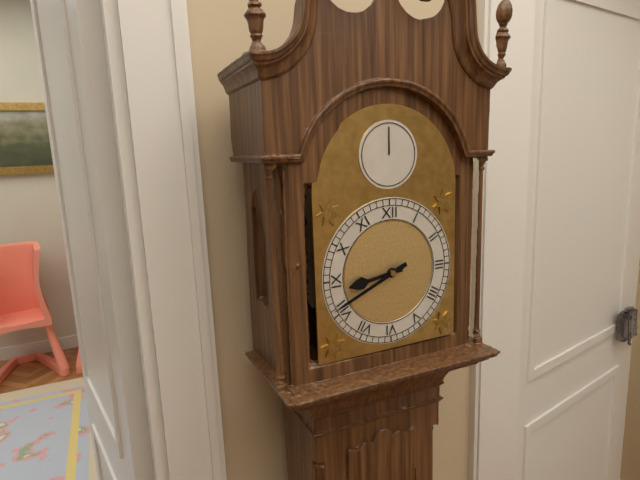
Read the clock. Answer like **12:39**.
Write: **8:41**
